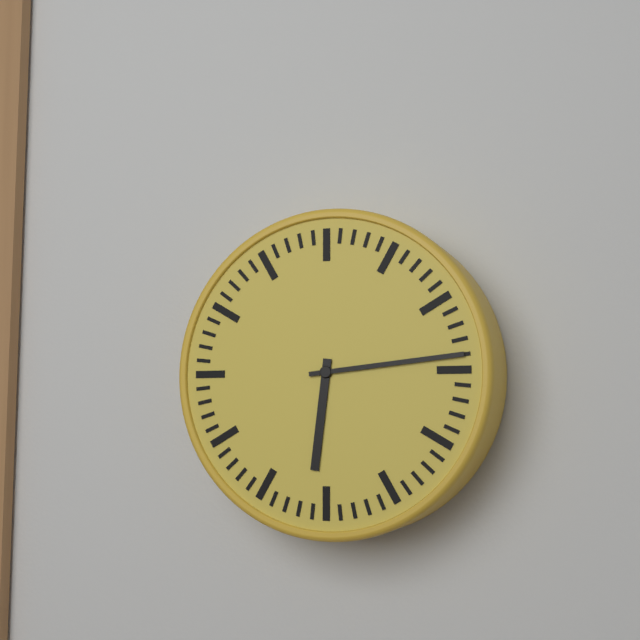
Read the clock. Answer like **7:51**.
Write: **6:14**
